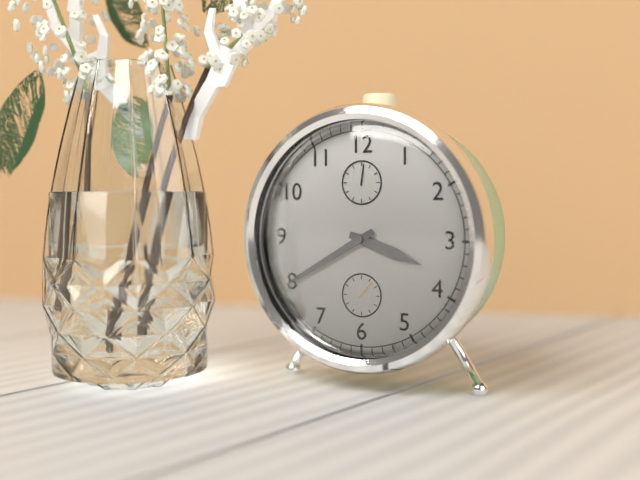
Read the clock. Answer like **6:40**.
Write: **3:40**
